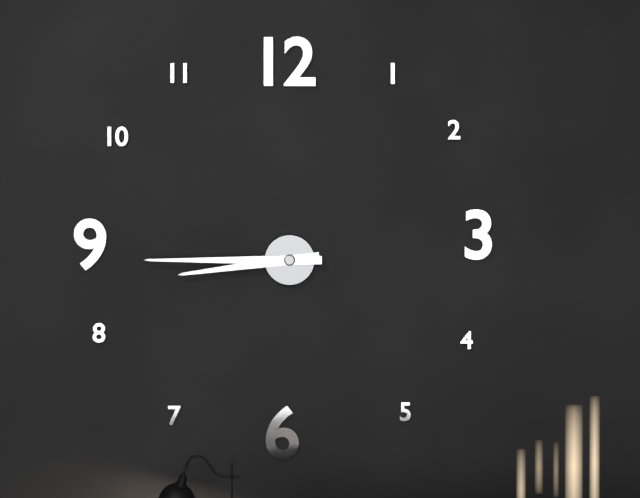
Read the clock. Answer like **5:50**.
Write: **8:45**
